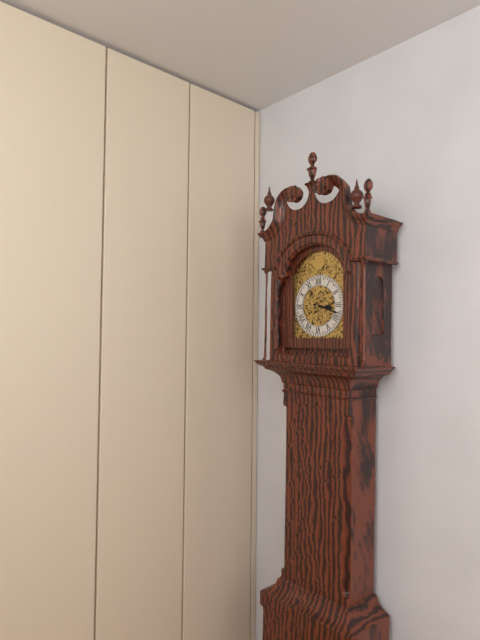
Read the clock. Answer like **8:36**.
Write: **3:18**
